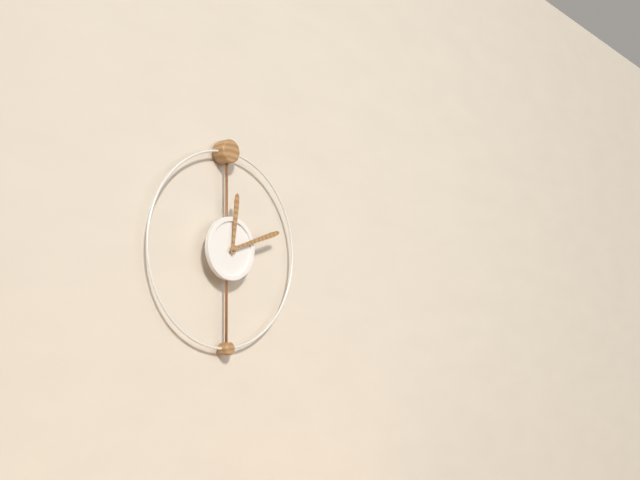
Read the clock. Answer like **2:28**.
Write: **12:12**
